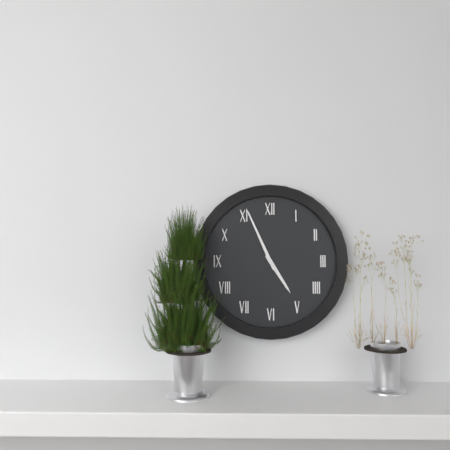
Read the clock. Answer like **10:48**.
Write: **4:56**
